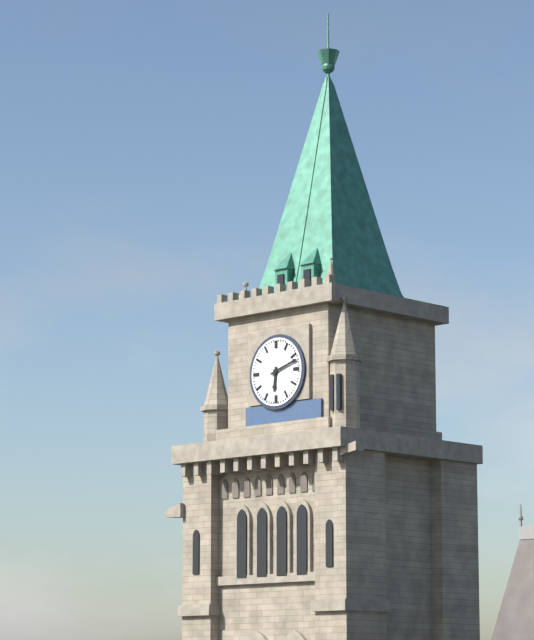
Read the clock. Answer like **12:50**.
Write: **6:12**
